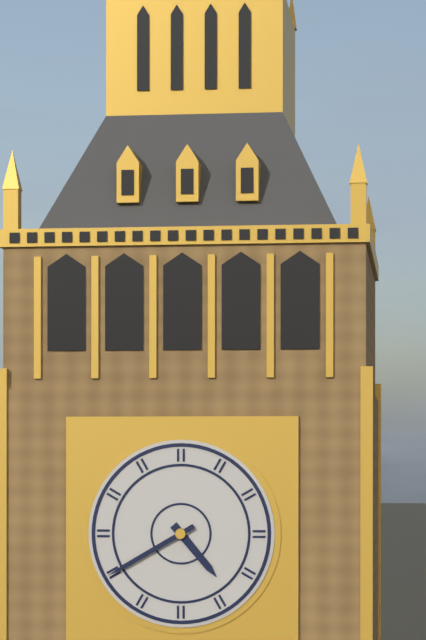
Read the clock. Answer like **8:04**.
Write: **4:40**
